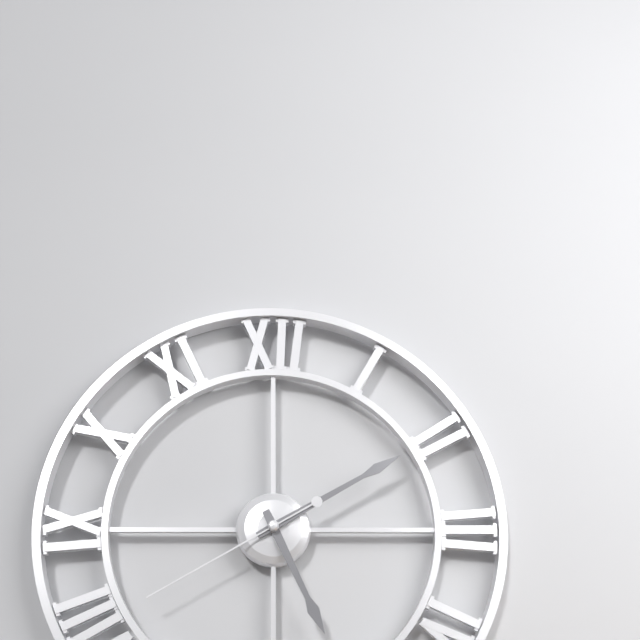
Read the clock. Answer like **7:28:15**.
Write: **5:10:40**
